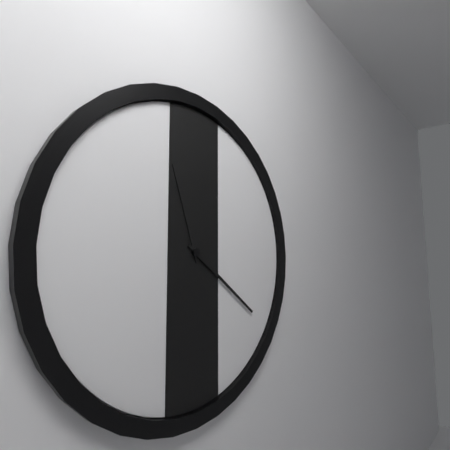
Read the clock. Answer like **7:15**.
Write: **11:21**
